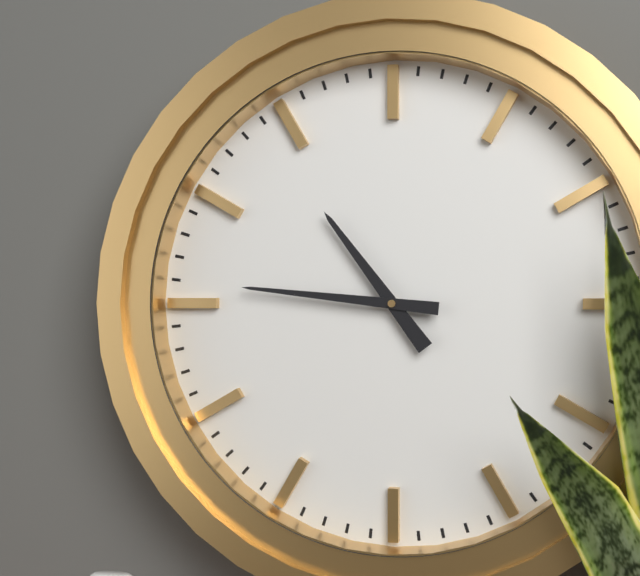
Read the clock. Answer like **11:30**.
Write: **10:46**
